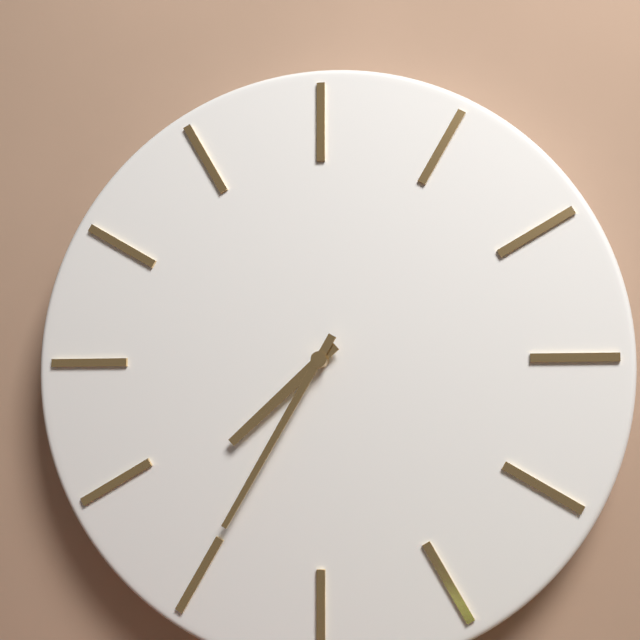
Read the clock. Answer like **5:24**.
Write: **7:35**
